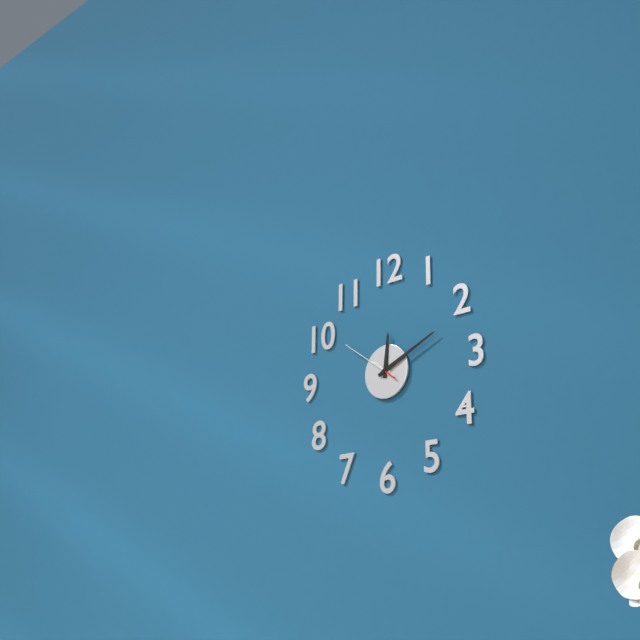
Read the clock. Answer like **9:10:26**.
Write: **12:11:51**
